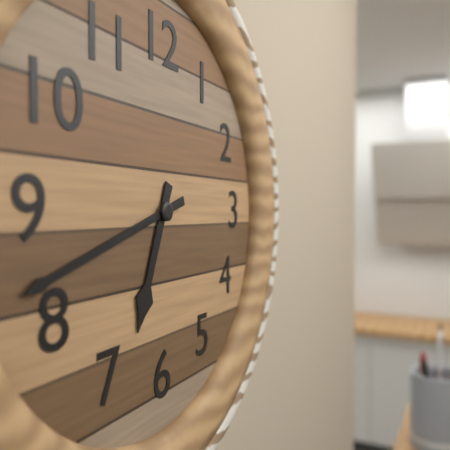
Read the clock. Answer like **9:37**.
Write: **6:42**
